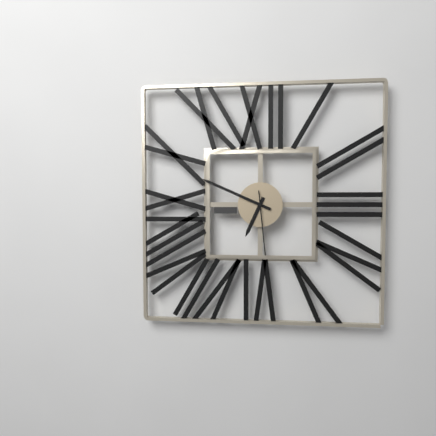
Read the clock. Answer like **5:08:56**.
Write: **6:49:29**
